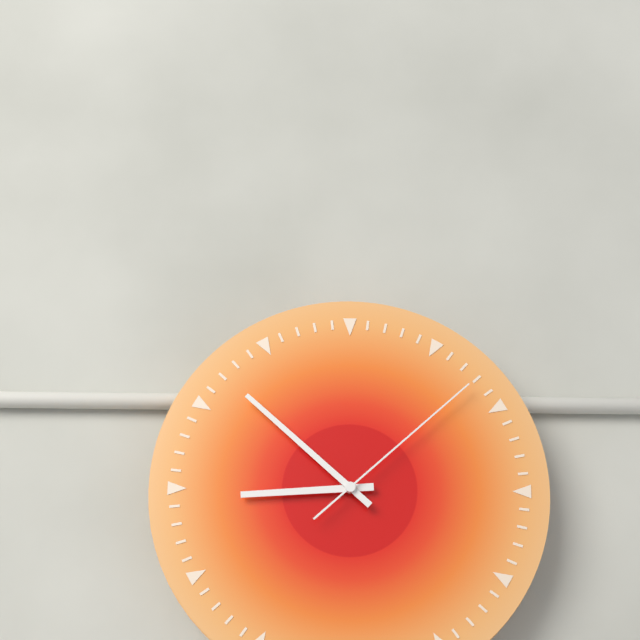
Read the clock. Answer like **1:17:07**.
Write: **8:52:08**
